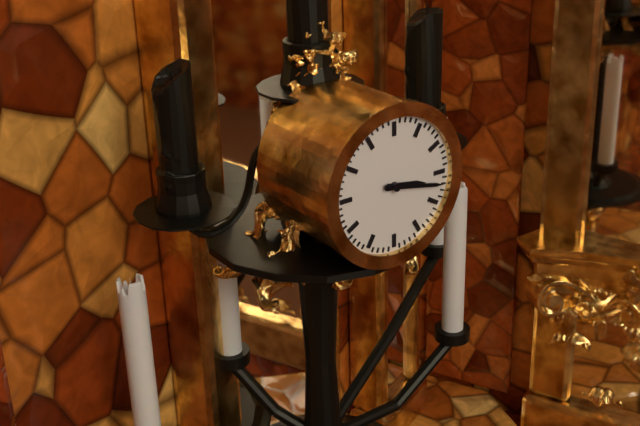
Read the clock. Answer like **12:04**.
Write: **3:17**
